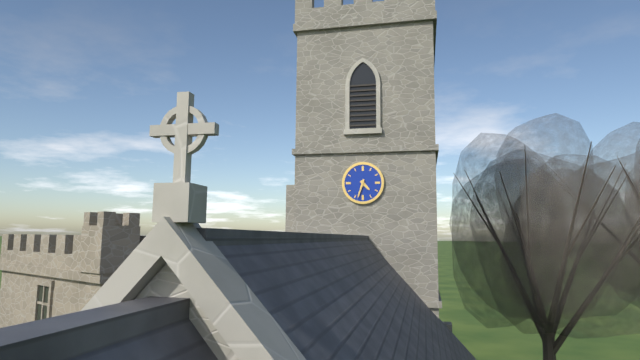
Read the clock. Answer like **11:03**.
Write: **4:33**
